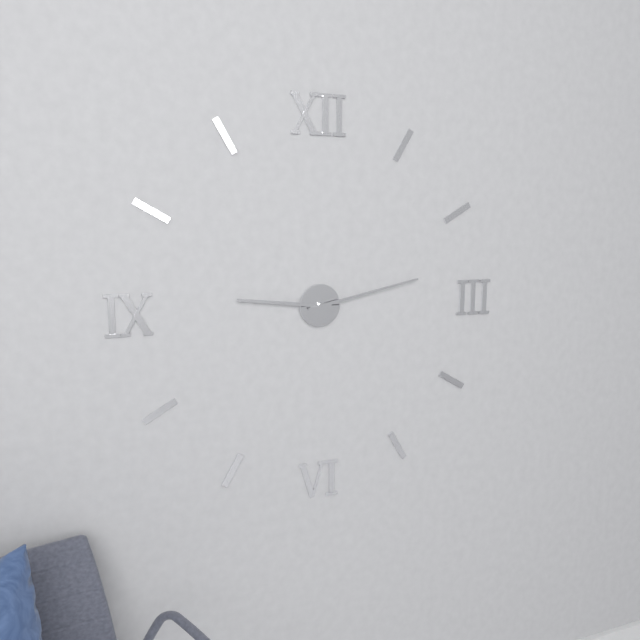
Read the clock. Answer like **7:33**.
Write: **9:13**
